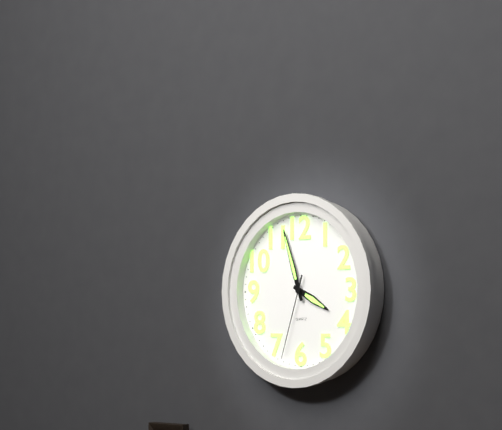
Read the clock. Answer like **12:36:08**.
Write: **3:57:33**
